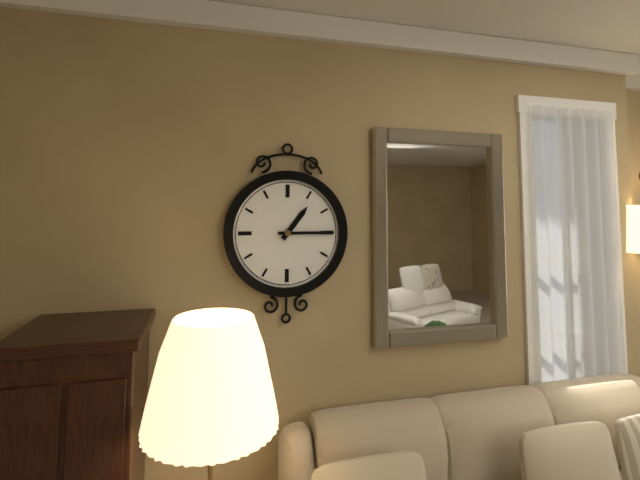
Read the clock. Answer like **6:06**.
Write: **1:15**
